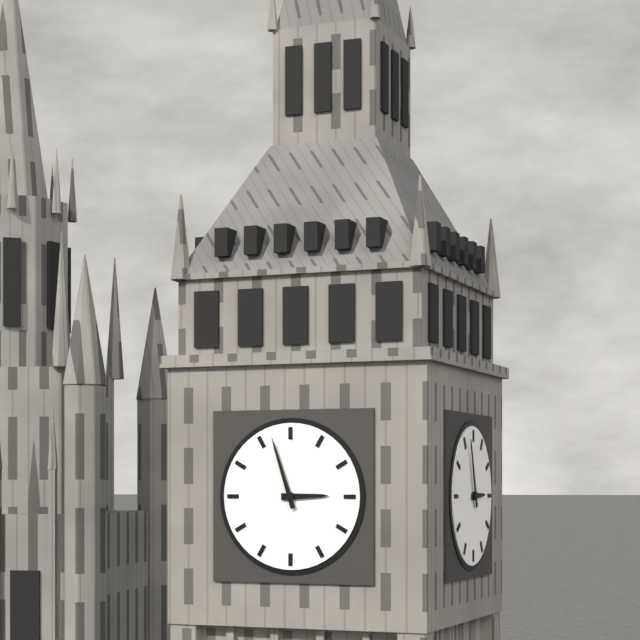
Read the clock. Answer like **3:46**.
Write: **2:57**
